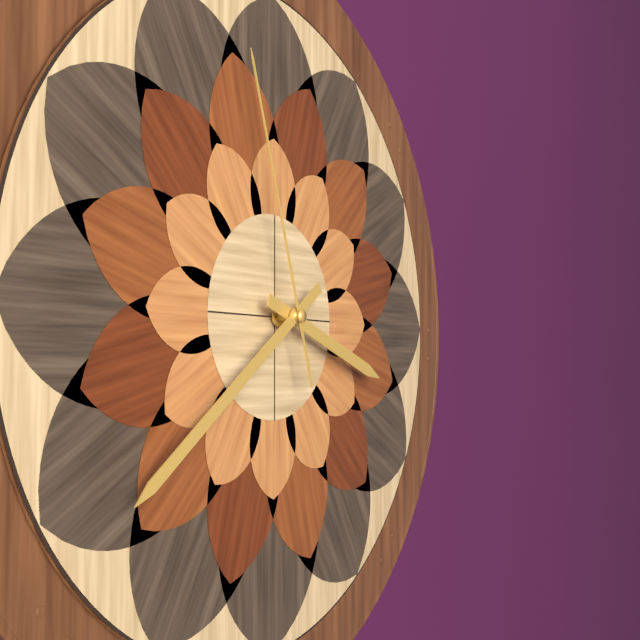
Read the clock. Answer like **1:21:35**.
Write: **3:39:57**
